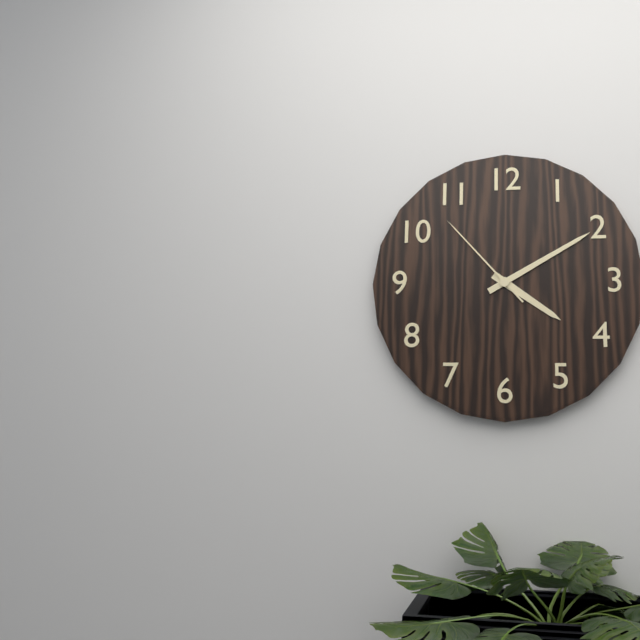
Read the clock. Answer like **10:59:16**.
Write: **4:10:53**
